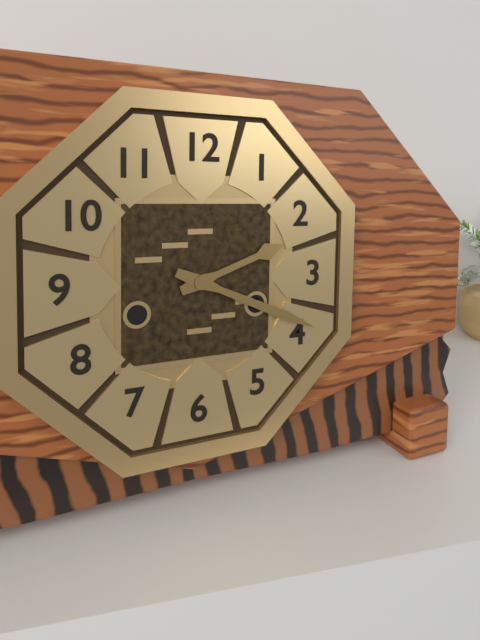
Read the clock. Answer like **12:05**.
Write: **2:19**
